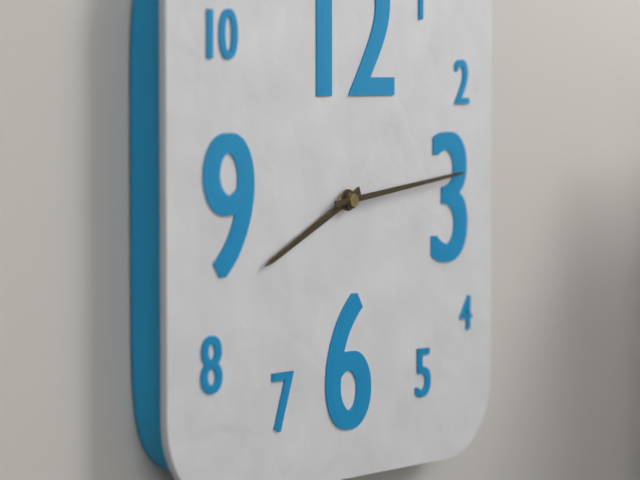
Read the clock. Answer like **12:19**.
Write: **8:14**
